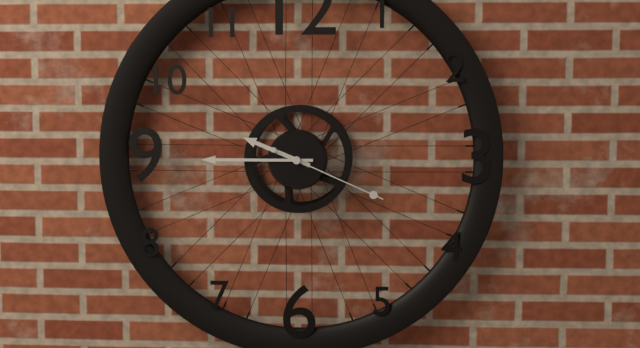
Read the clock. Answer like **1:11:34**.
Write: **9:45:19**
